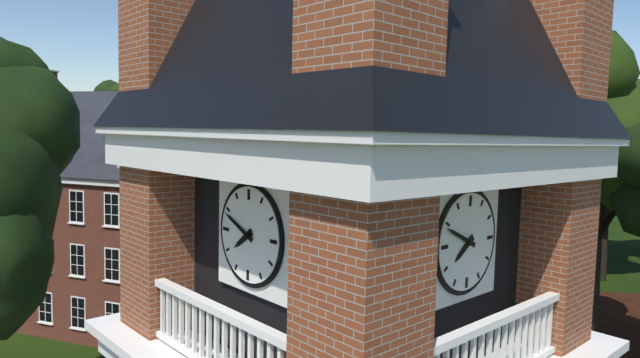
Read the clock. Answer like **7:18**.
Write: **7:49**
